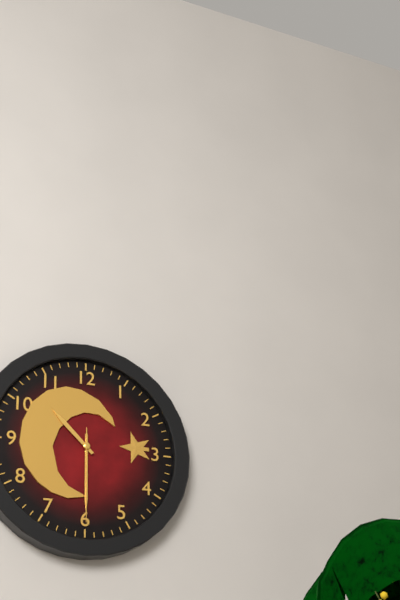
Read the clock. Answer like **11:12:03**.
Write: **10:30:30**
